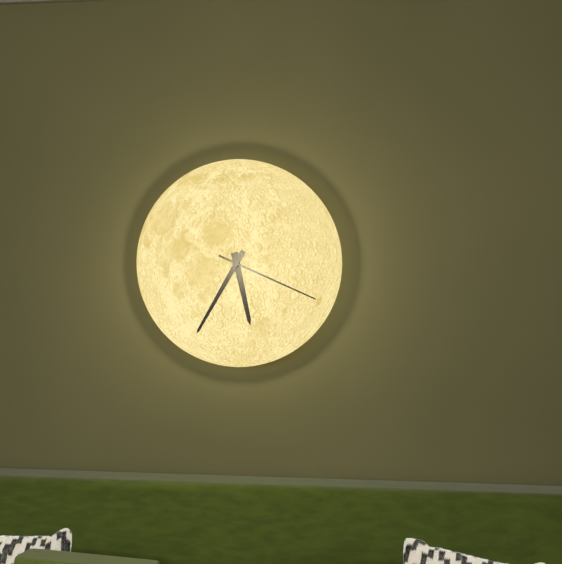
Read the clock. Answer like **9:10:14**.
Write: **5:35:19**
